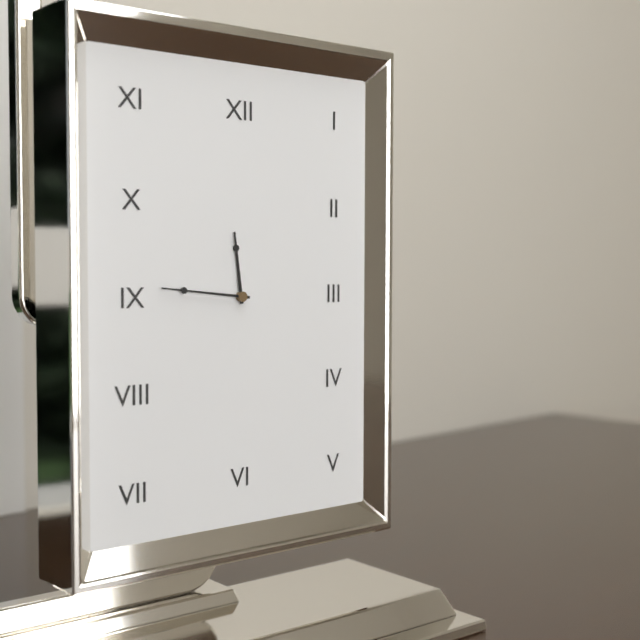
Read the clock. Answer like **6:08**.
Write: **11:46**
